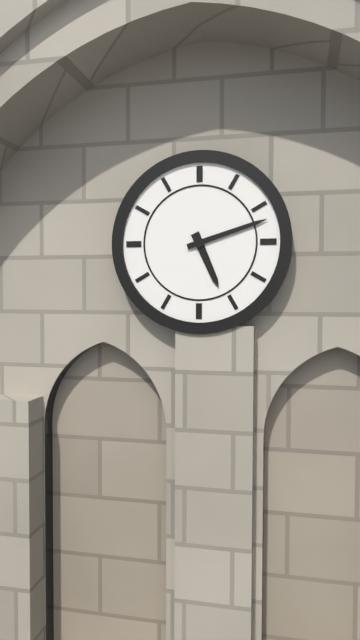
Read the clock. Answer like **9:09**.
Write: **5:12**
